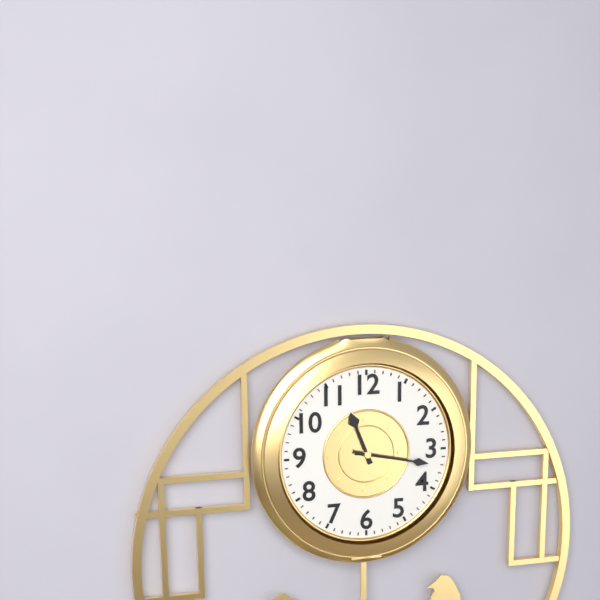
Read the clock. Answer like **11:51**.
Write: **11:17**
